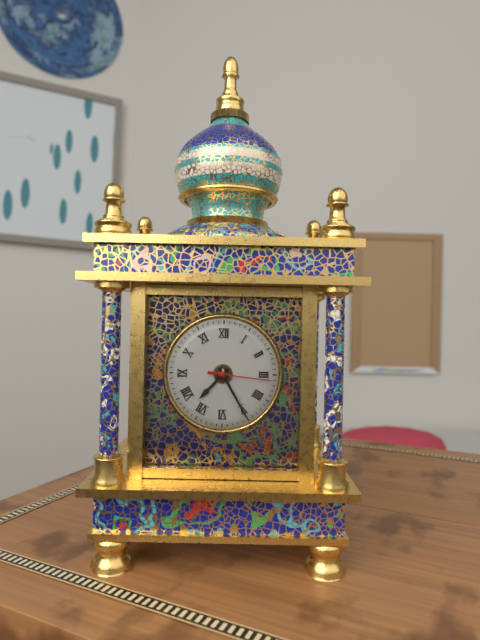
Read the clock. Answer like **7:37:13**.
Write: **7:25:16**
